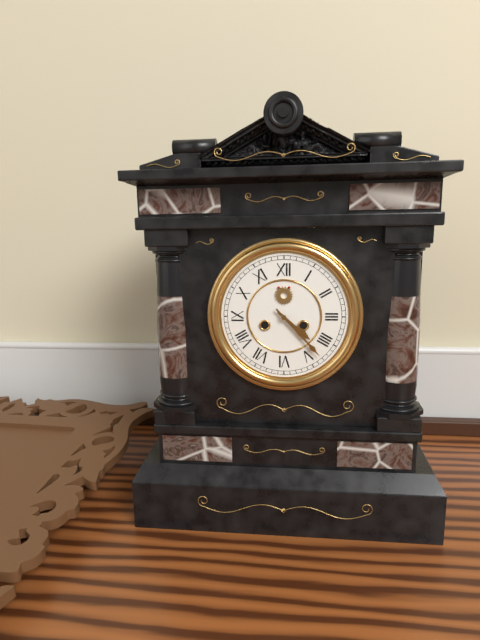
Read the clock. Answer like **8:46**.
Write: **4:23**
